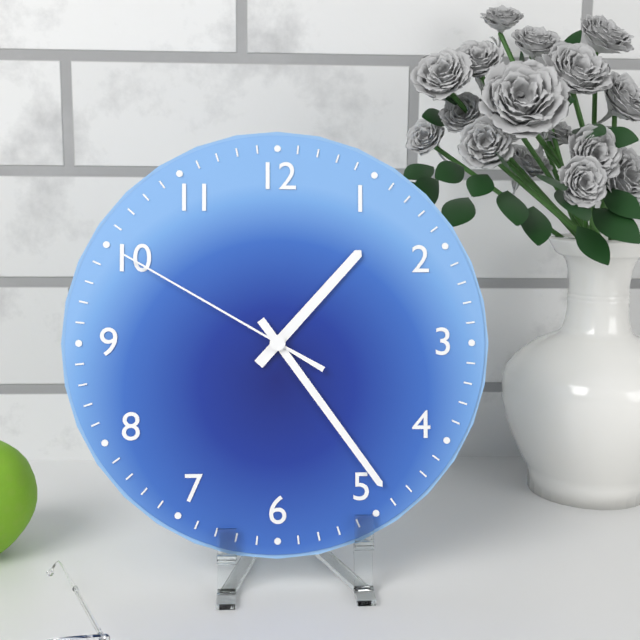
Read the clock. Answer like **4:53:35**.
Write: **1:24:50**
